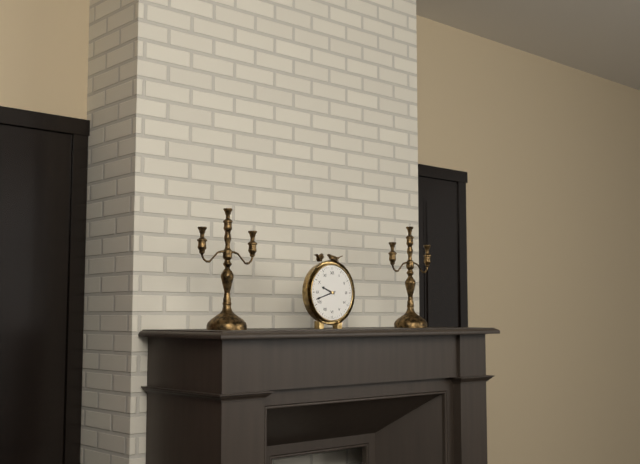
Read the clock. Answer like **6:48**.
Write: **9:42**
